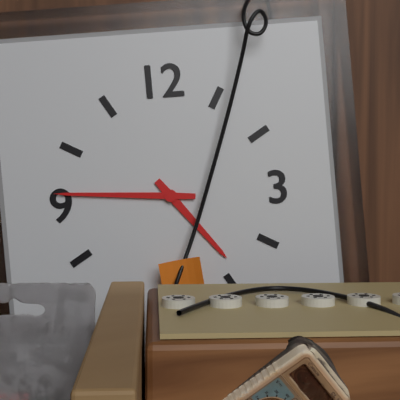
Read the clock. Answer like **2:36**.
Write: **4:46**
